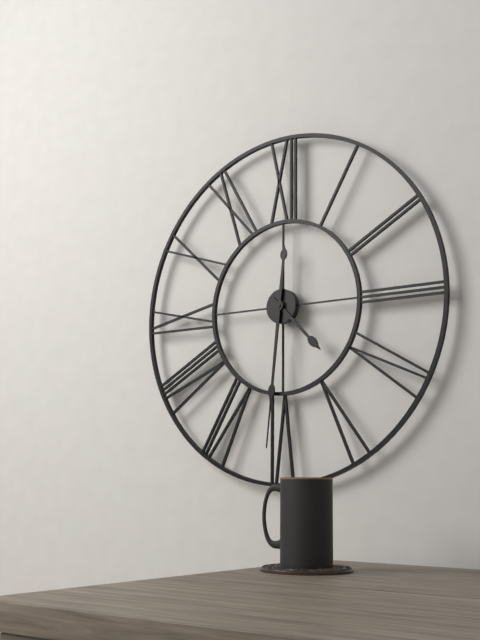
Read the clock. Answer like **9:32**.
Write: **4:31**
